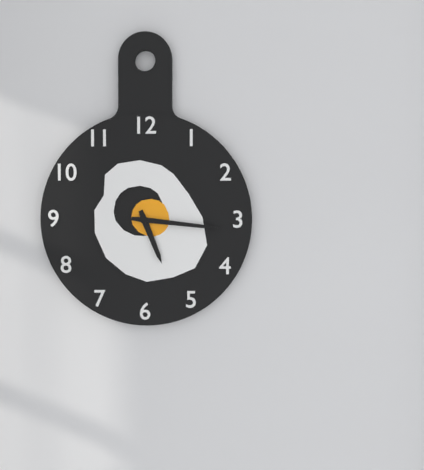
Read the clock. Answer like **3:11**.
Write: **5:16**
